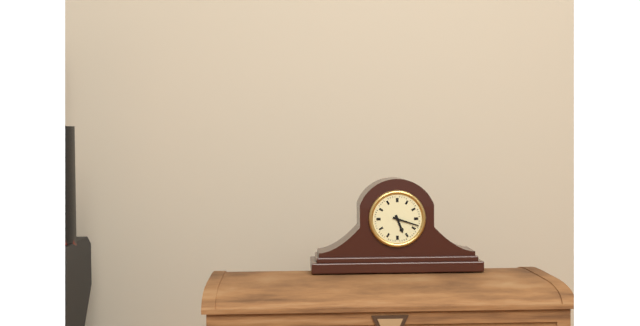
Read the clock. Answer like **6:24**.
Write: **5:18**
